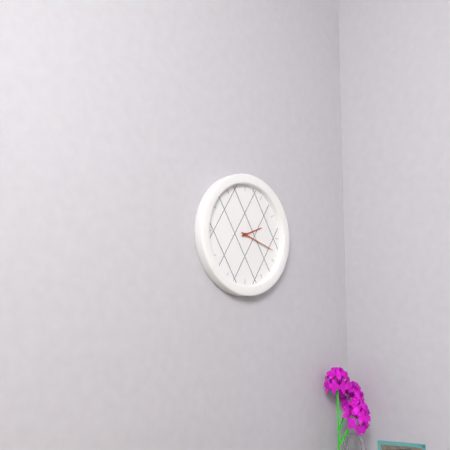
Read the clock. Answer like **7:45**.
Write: **2:18**
